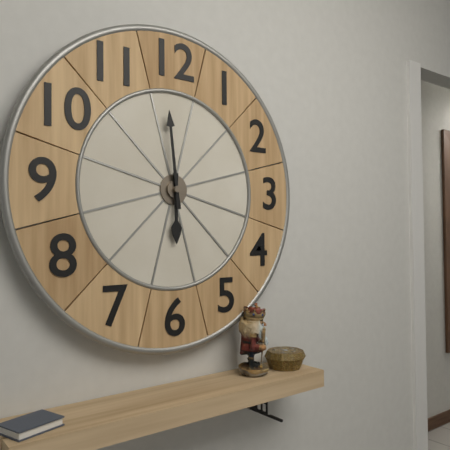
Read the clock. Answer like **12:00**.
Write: **5:59**
